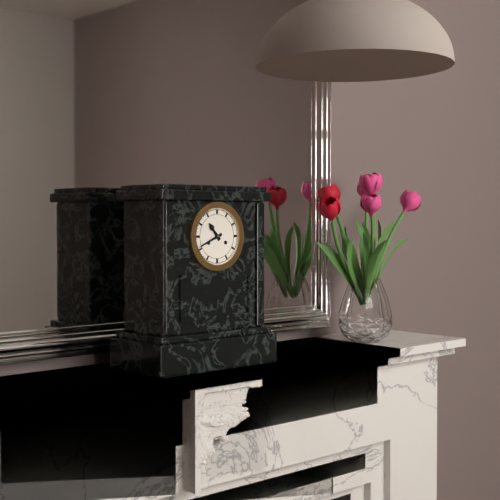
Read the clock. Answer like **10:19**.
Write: **10:41**
